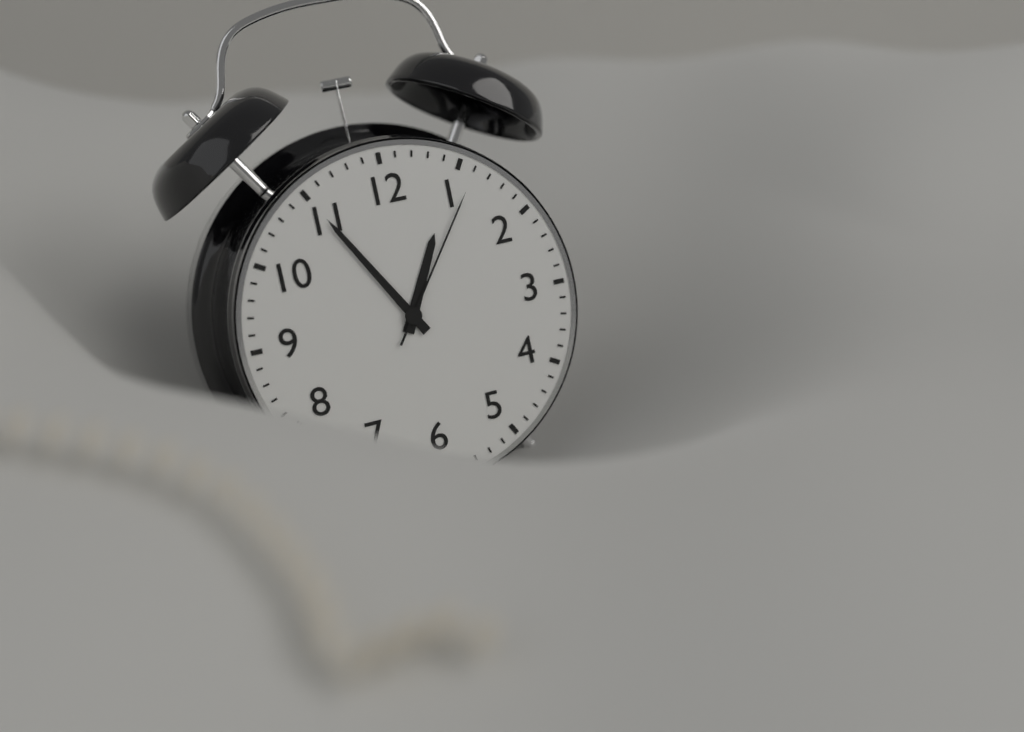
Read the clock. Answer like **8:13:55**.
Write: **12:55:06**
